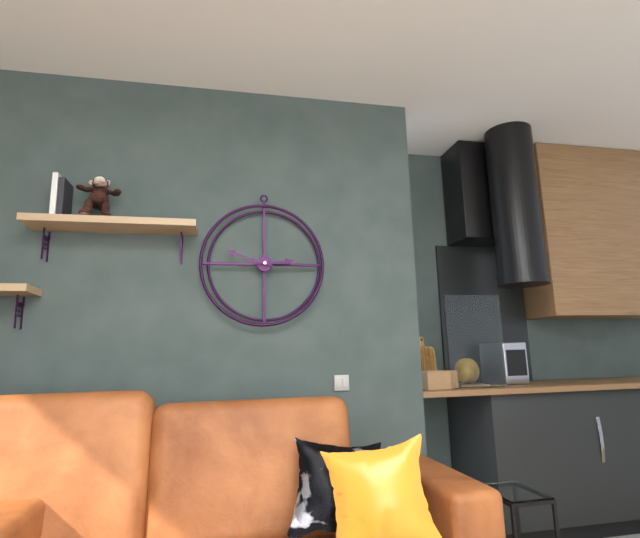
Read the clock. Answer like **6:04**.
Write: **2:48**
